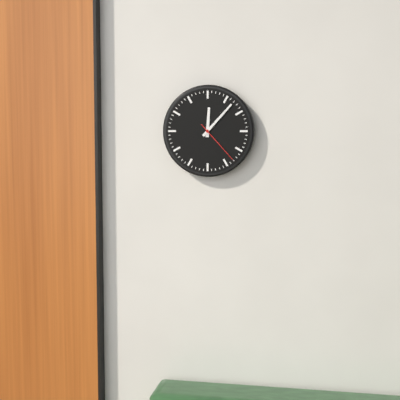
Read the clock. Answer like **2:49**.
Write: **12:07**
